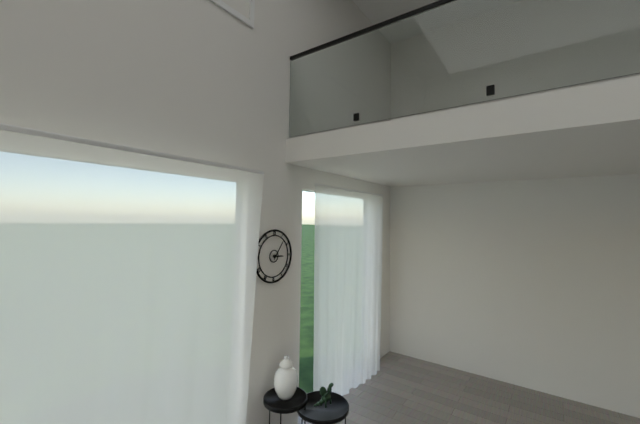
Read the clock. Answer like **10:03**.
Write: **3:06**
